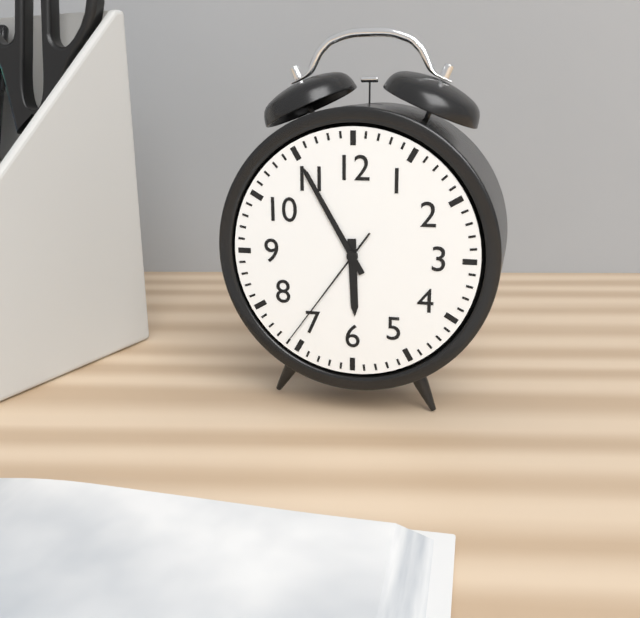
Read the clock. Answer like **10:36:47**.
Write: **5:55:36**
